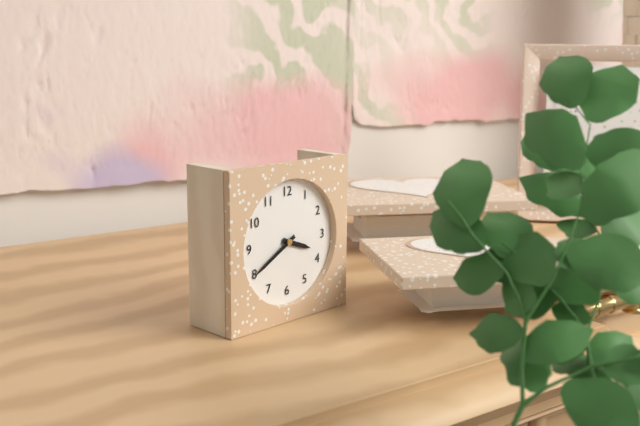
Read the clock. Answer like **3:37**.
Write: **3:40**
